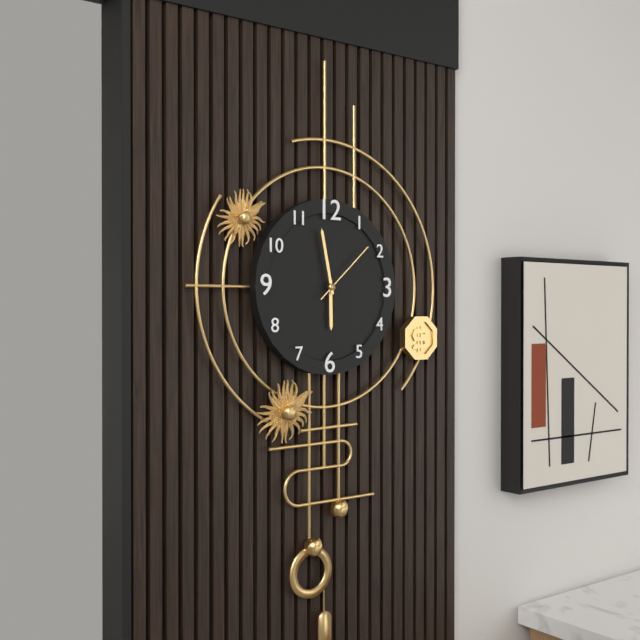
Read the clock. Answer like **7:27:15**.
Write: **5:58:08**
